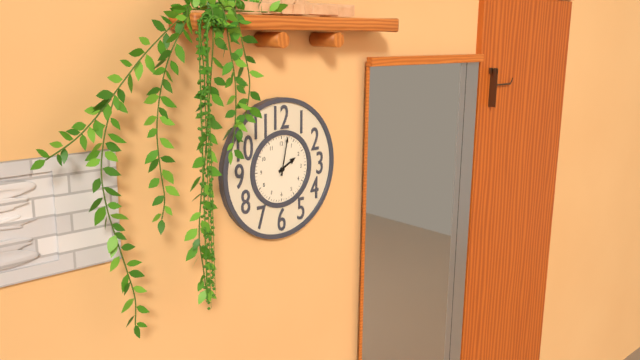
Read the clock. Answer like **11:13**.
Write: **2:02**
